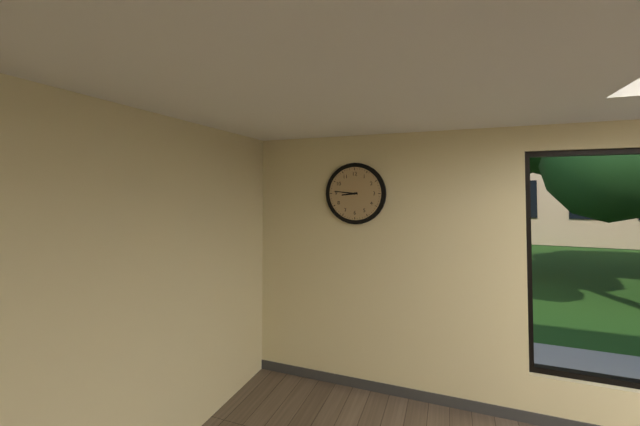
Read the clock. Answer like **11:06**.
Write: **8:46**
